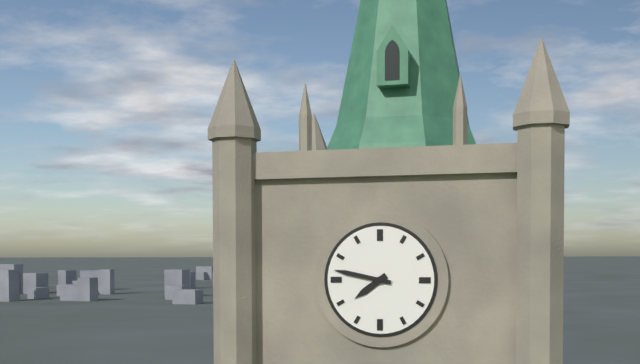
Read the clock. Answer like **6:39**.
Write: **7:47**
